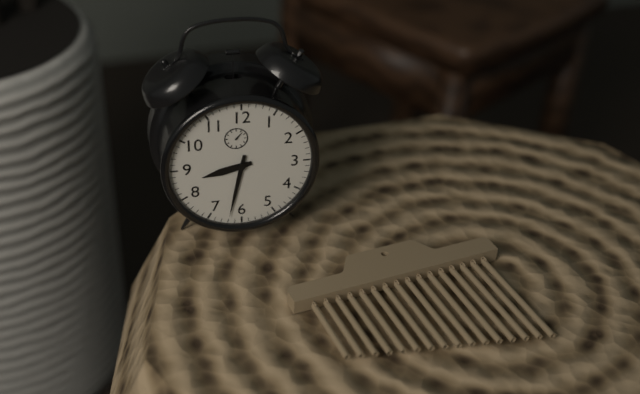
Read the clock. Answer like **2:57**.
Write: **8:32**
